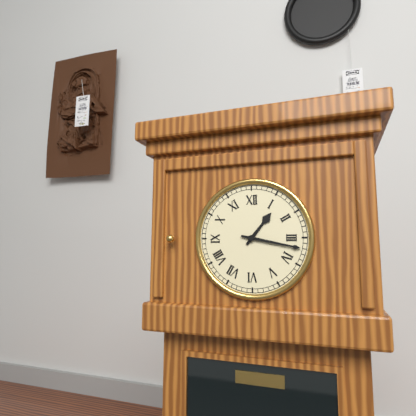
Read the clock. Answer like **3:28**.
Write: **1:17**
